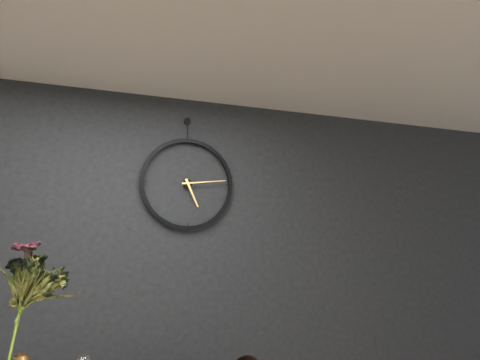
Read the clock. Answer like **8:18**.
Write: **5:14**
